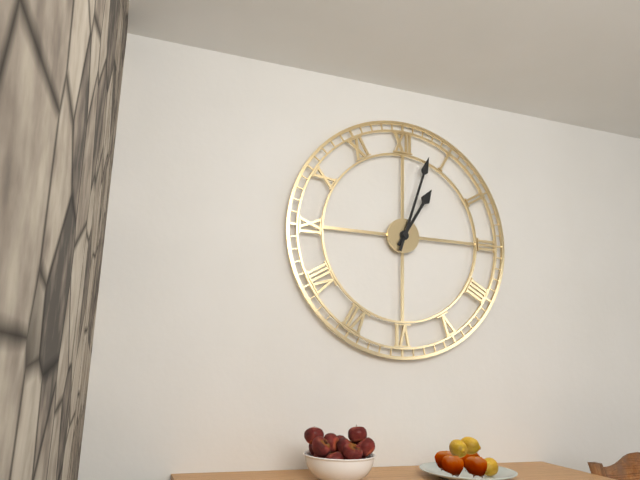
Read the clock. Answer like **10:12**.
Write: **1:03**
